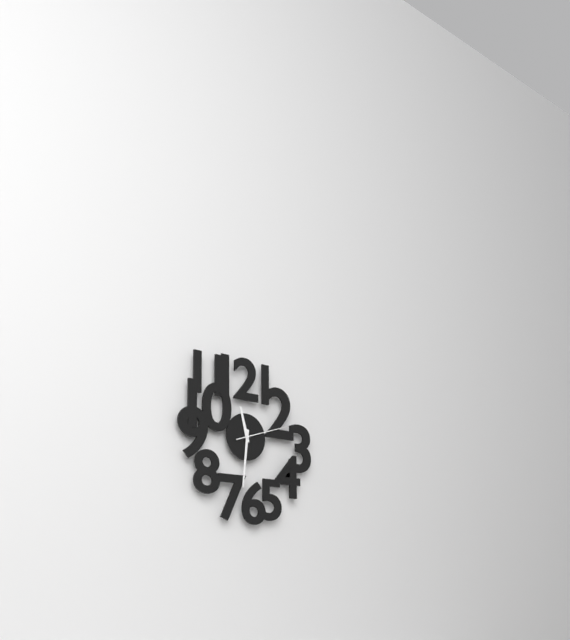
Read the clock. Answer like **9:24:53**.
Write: **11:31:12**
